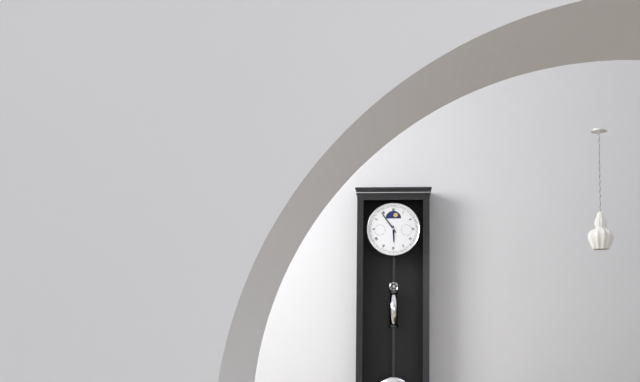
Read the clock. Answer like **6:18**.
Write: **5:54**
